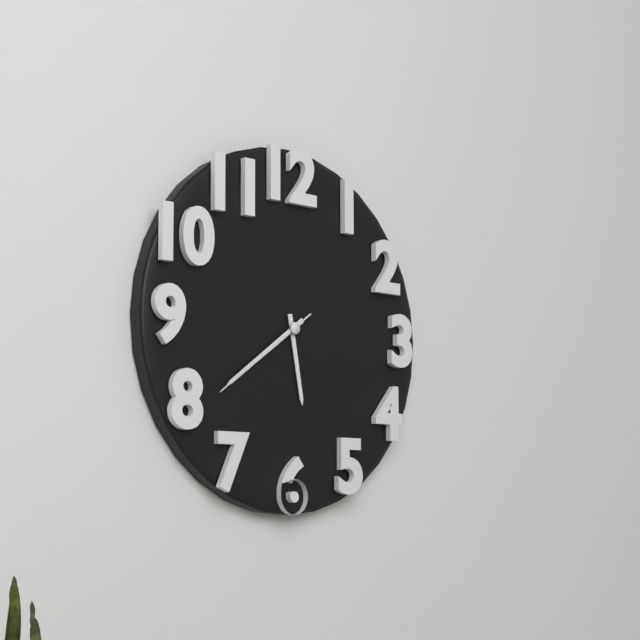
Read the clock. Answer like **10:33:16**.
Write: **5:39:39**
